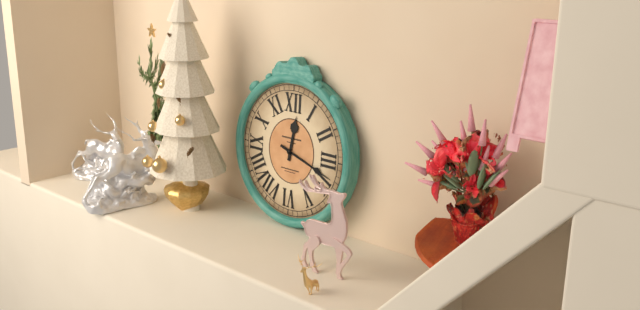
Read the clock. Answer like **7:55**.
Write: **12:18**
